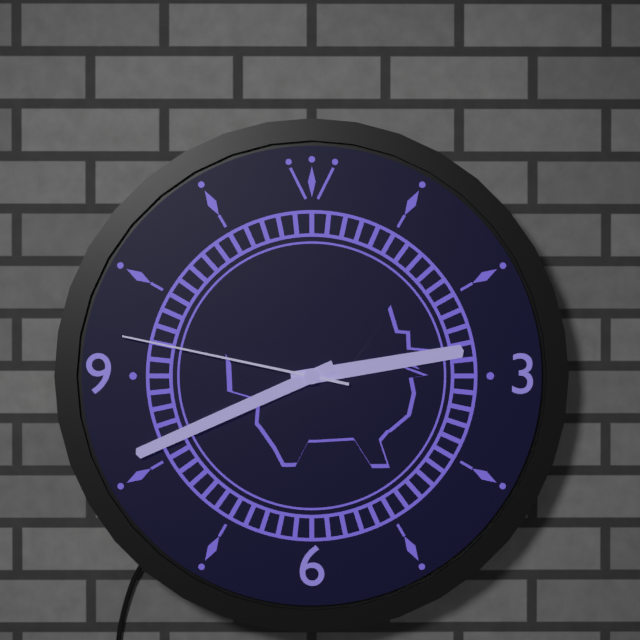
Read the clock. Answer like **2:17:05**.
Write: **2:41:47**
